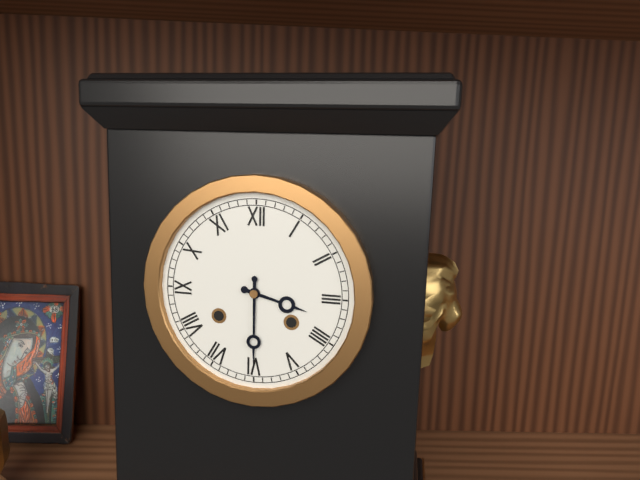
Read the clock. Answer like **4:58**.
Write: **3:30**
